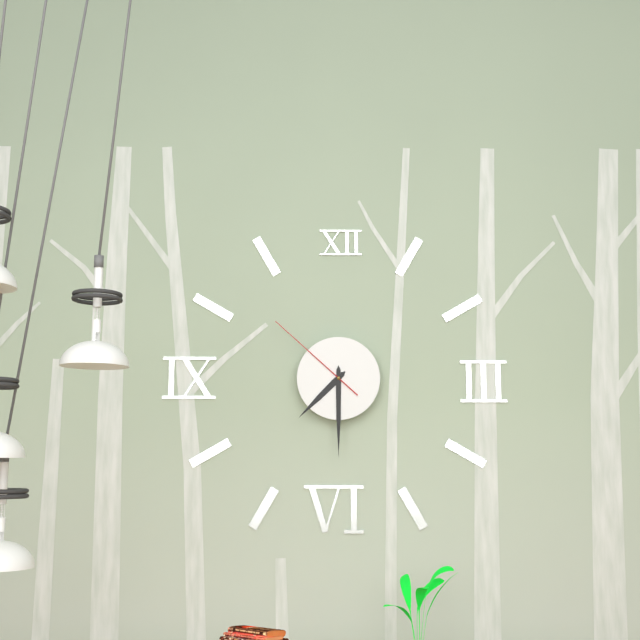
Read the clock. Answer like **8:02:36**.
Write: **7:30:52**
